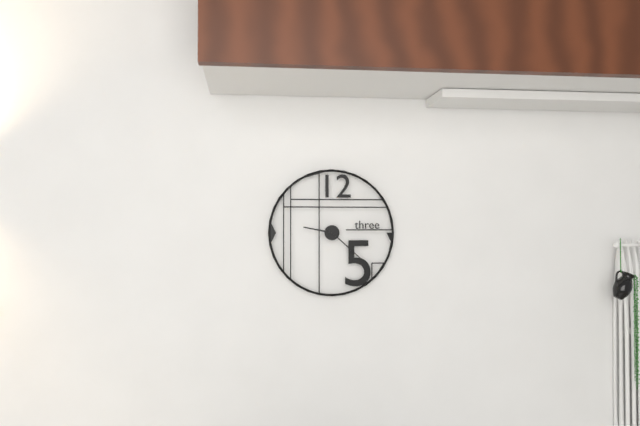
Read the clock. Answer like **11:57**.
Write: **9:22**
